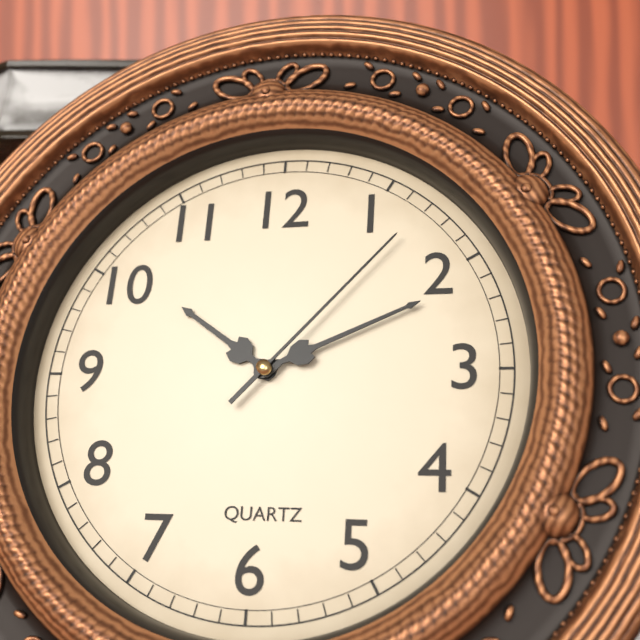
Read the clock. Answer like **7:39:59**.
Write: **10:11:07**
